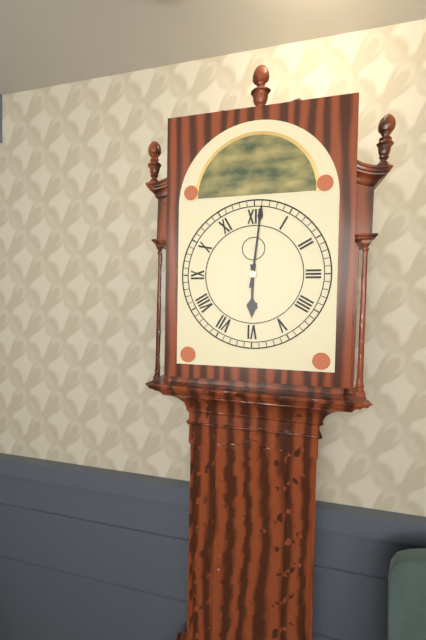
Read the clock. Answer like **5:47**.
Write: **6:01**
